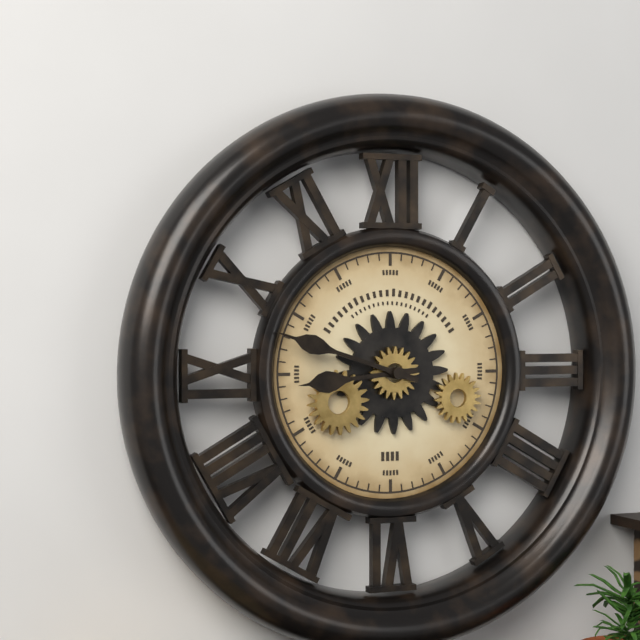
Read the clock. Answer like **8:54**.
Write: **8:48**
